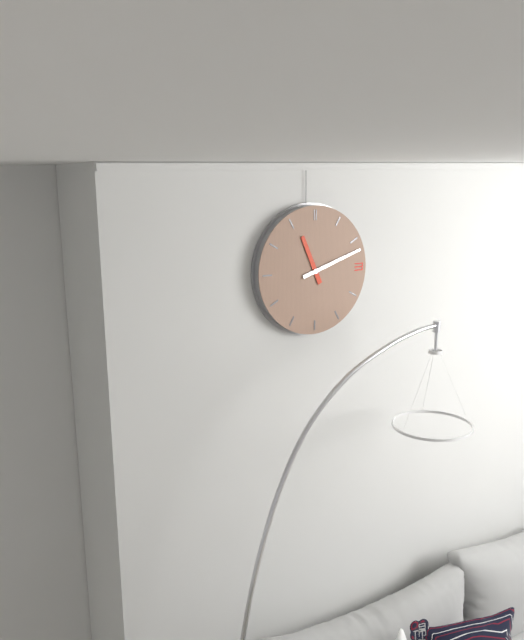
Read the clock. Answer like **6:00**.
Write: **11:12**
